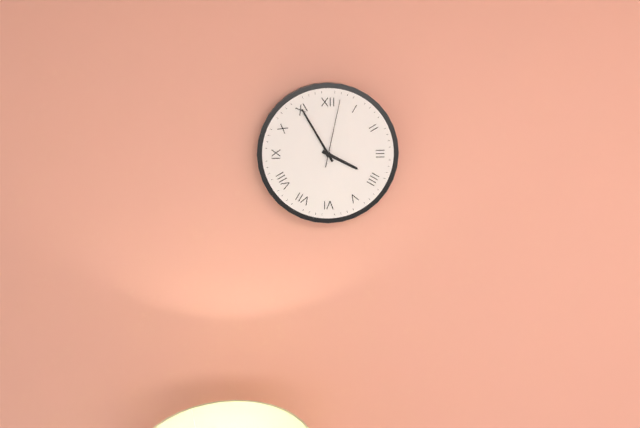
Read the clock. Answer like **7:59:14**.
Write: **3:55:02**
